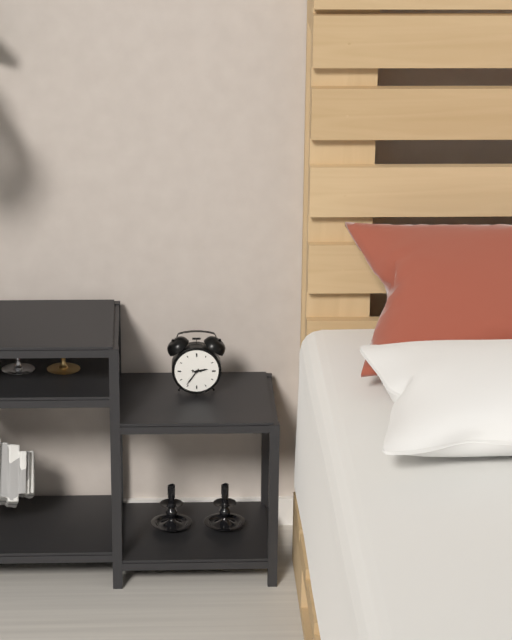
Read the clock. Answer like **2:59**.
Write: **2:36**
